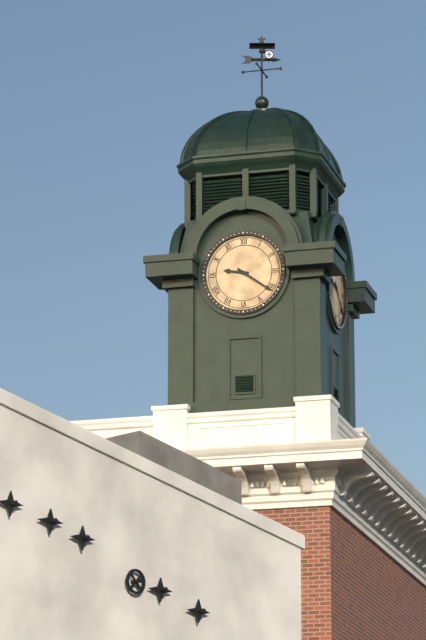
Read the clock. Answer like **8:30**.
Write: **9:21**
